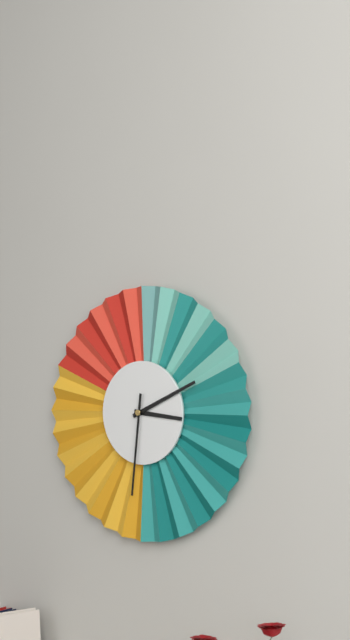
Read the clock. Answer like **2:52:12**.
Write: **3:11:31**
